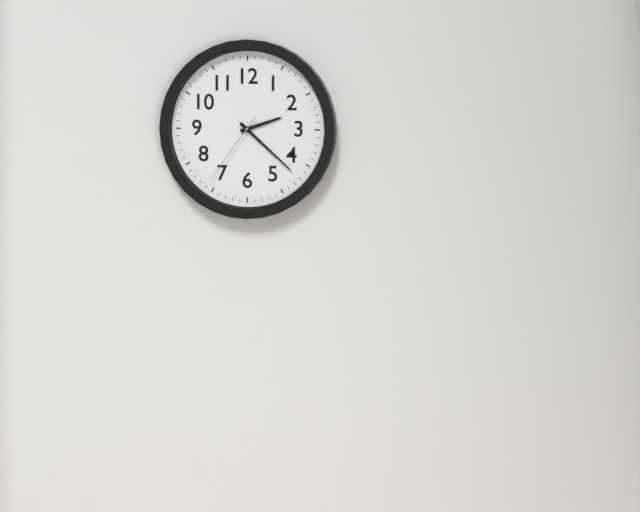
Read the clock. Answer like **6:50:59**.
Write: **2:22:36**
